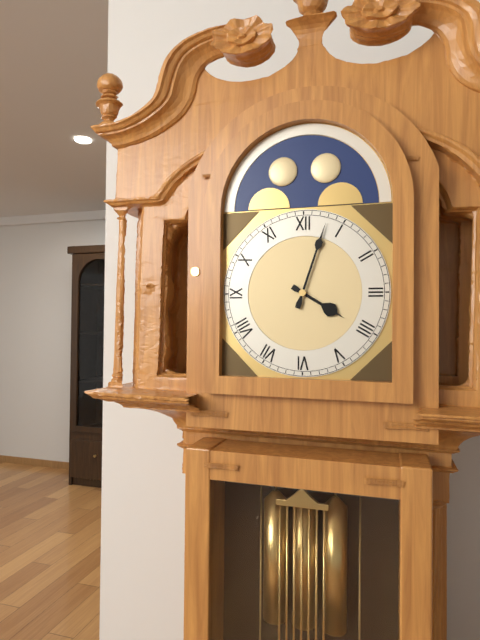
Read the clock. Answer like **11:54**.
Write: **4:03**
